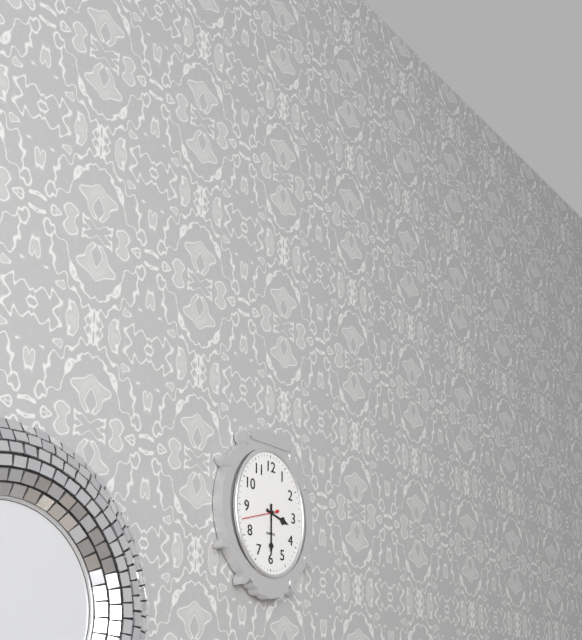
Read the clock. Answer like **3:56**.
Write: **3:30**
